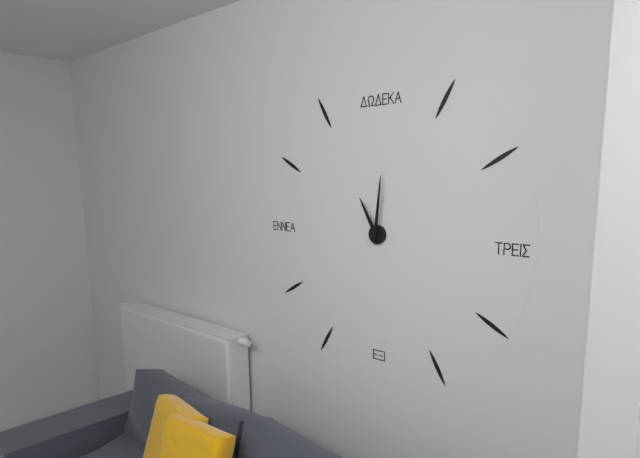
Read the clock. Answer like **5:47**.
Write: **11:01**
